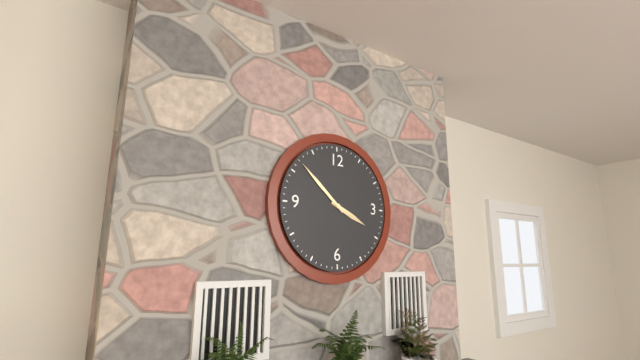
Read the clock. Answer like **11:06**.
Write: **3:52**
